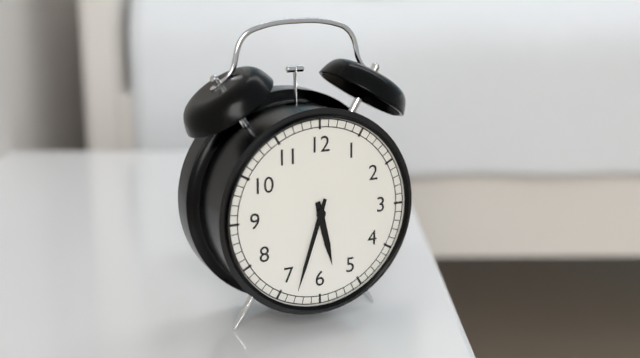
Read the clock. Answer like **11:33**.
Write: **5:33**
